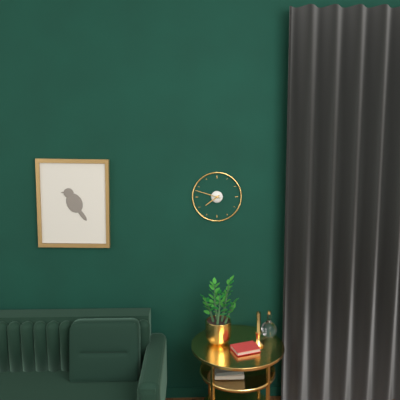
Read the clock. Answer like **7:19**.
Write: **7:48**
